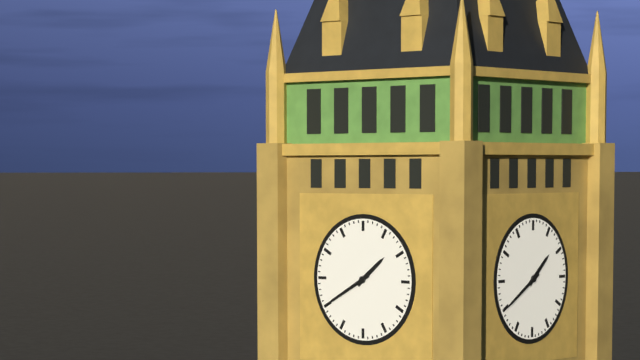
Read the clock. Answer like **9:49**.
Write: **1:40**
